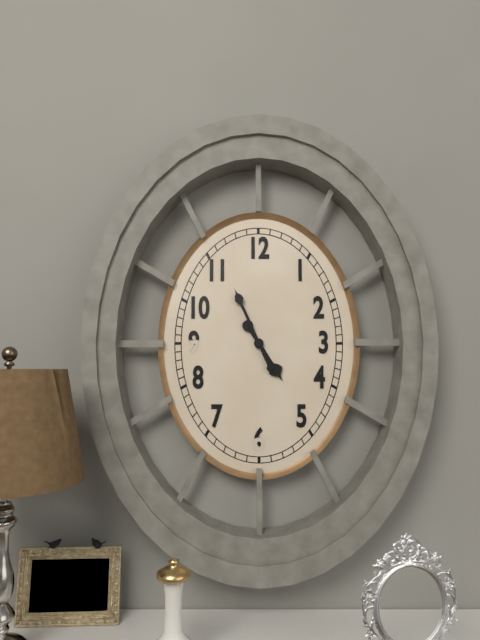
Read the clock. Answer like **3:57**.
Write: **4:56**
